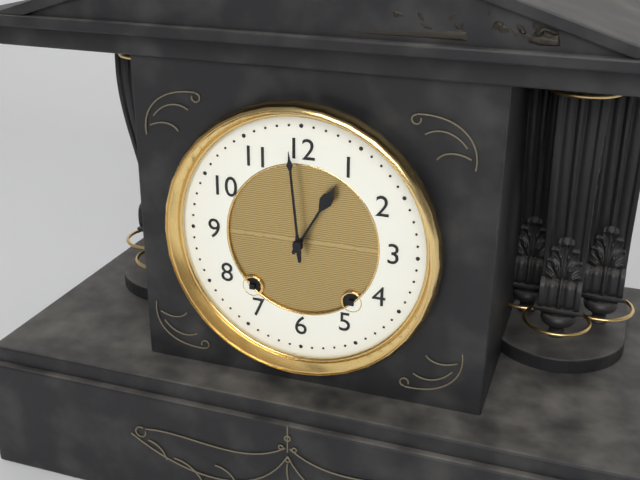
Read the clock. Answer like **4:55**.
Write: **12:59**
